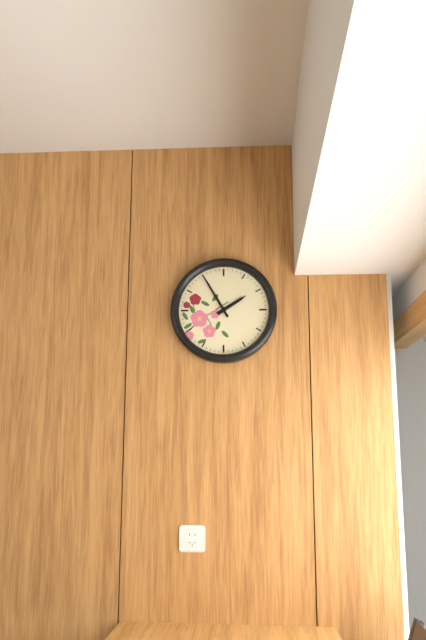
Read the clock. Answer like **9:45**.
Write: **1:55**
